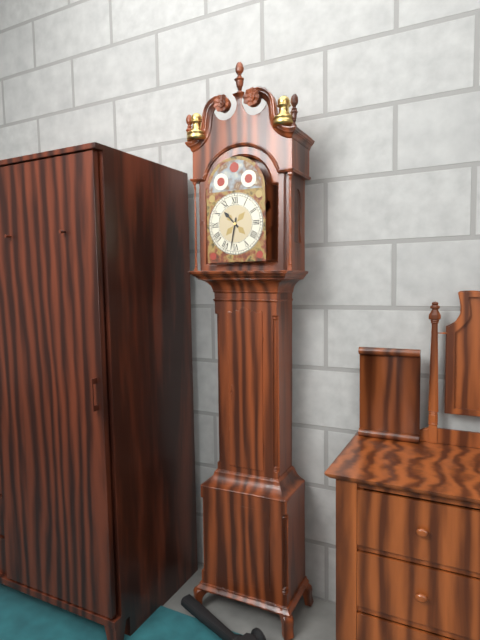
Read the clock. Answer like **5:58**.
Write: **10:32**
